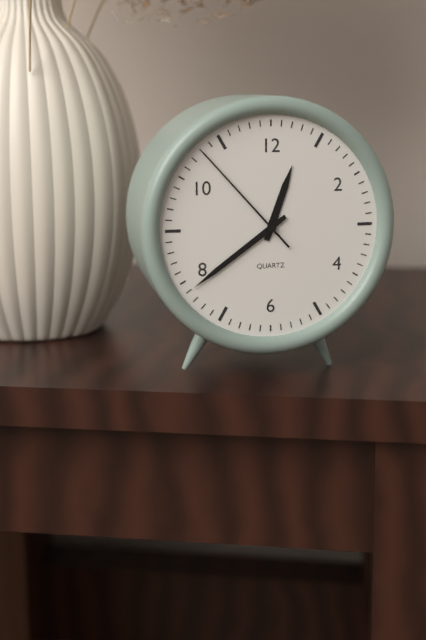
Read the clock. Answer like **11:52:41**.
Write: **12:39:53**
